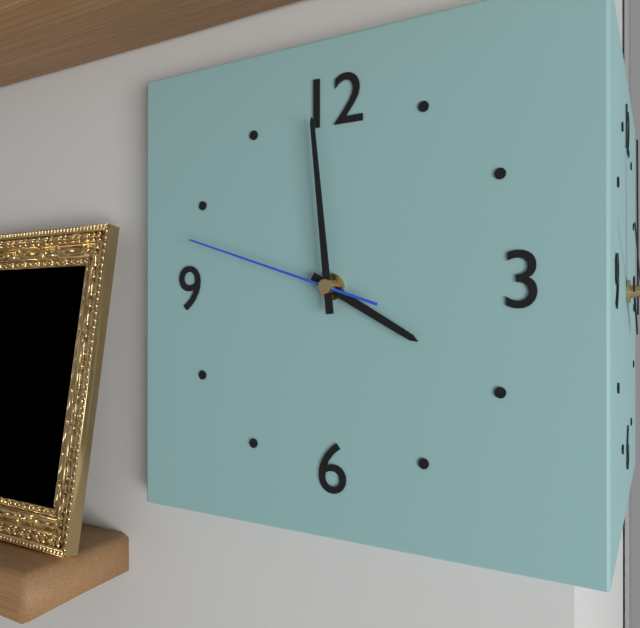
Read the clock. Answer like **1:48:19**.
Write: **3:59:48**
